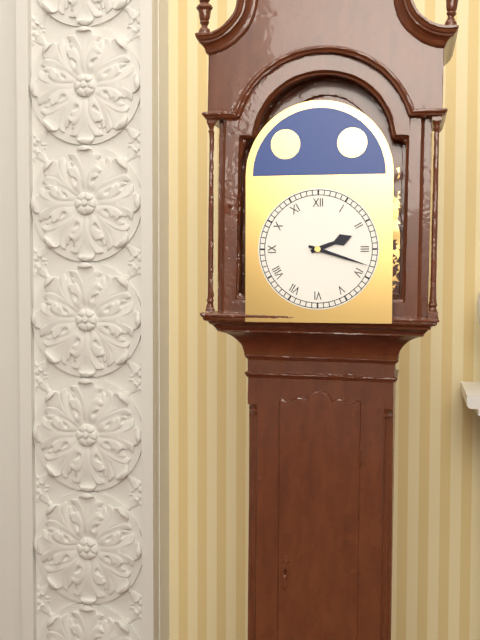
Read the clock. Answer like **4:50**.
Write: **2:18**
